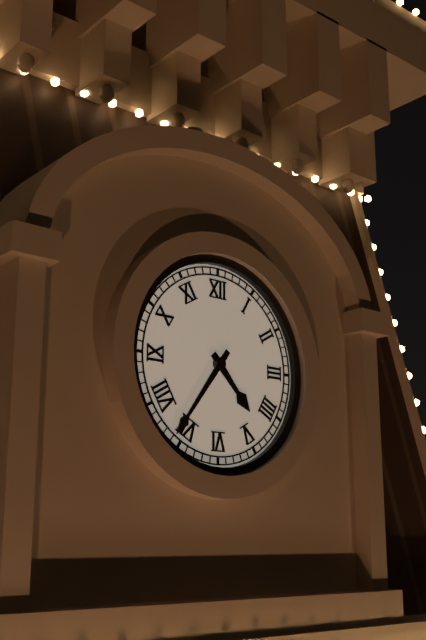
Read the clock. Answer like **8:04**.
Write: **4:36**
